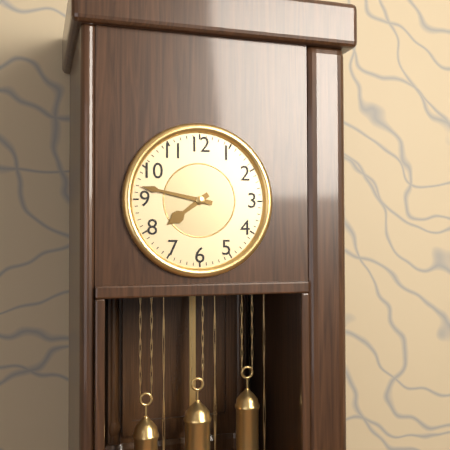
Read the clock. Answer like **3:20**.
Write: **7:47**
